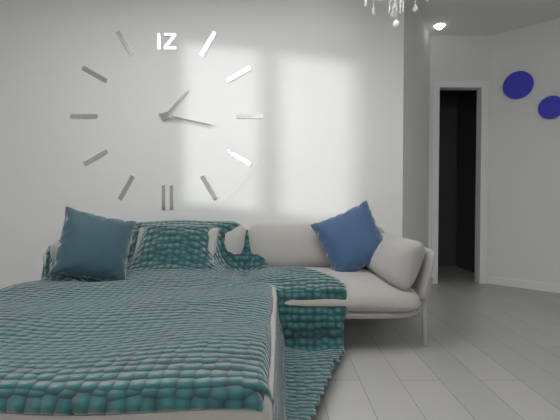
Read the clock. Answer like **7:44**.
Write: **1:17**
